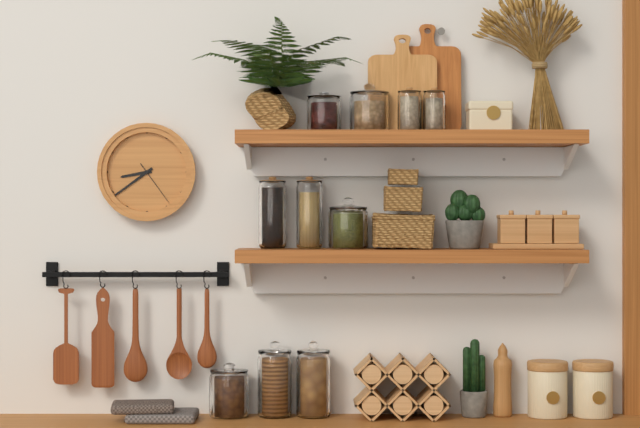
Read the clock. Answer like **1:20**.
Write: **8:39**
